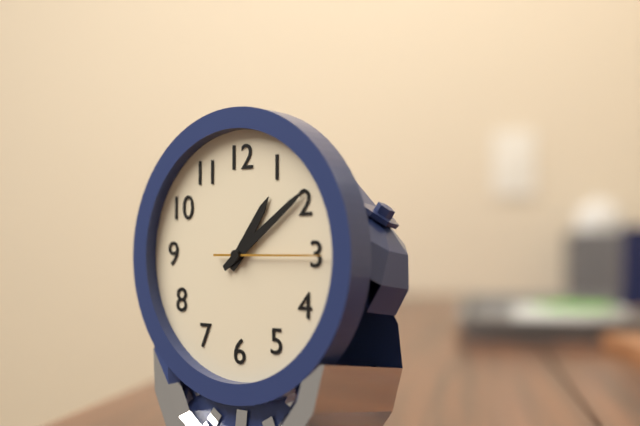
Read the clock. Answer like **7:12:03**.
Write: **1:09:15**
